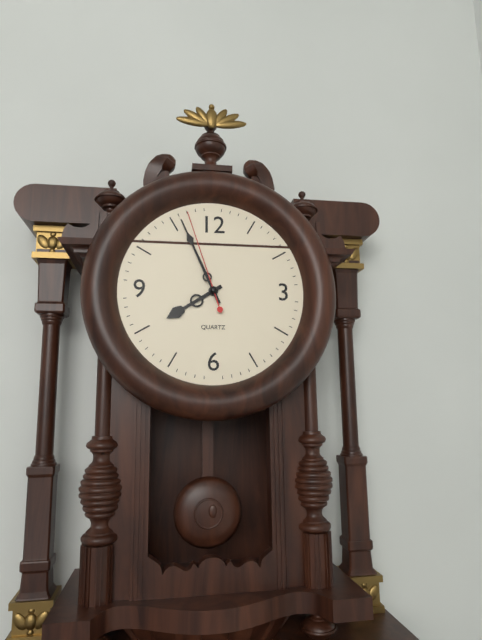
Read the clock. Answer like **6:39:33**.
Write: **7:56:57**
